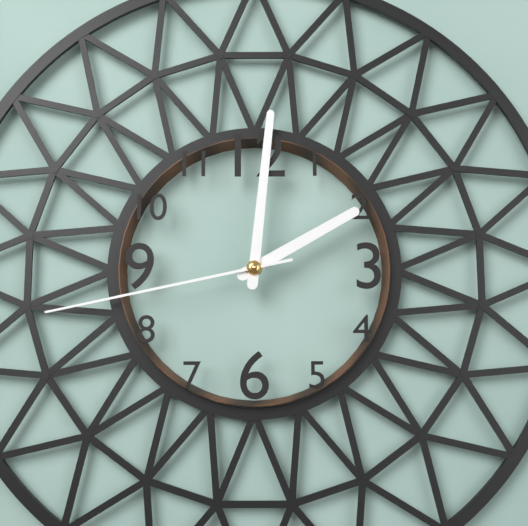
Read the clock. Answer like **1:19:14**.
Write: **2:01:43**
